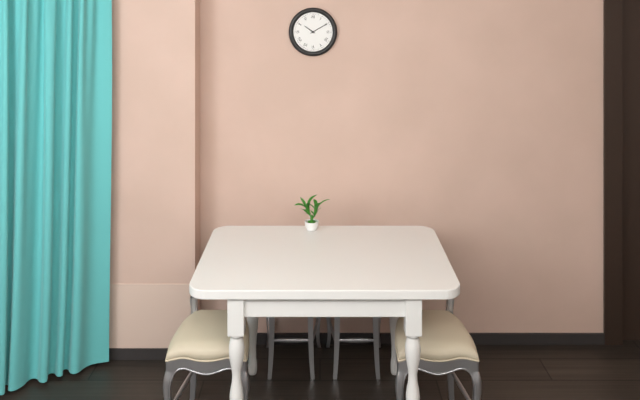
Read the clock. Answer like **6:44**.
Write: **10:10**
